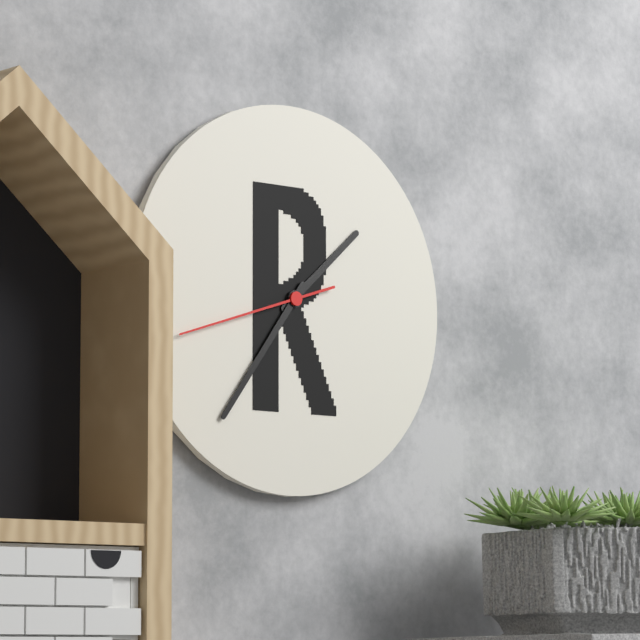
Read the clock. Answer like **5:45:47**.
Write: **1:36:42**
